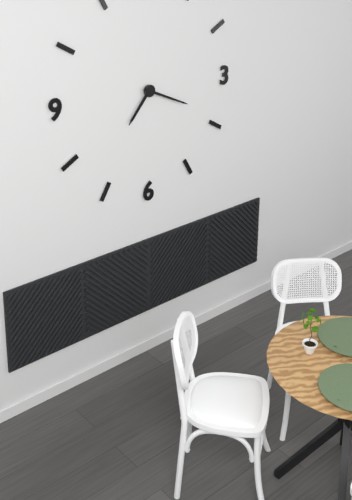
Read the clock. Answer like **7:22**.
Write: **7:19**
